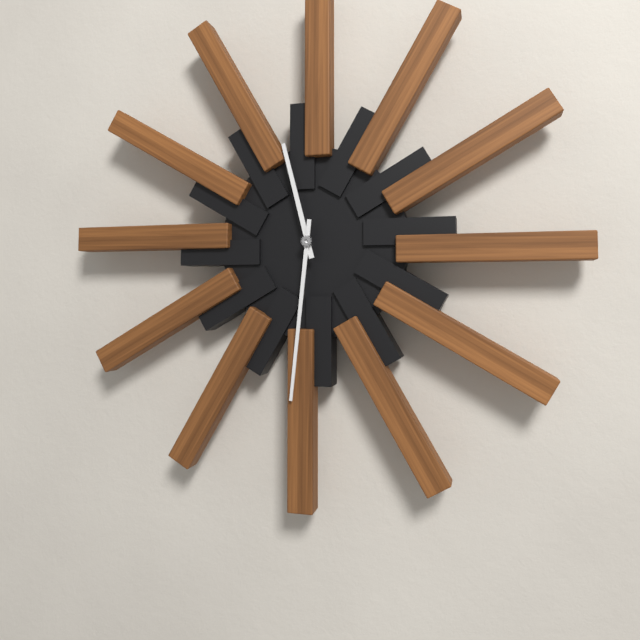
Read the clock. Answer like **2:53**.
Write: **11:31**
